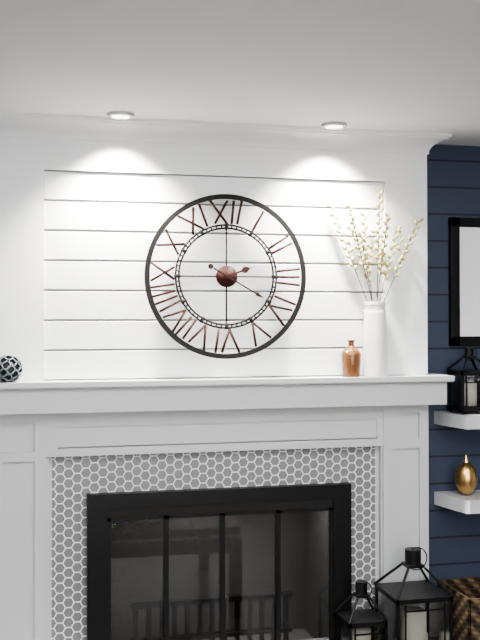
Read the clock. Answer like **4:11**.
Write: **2:20**
